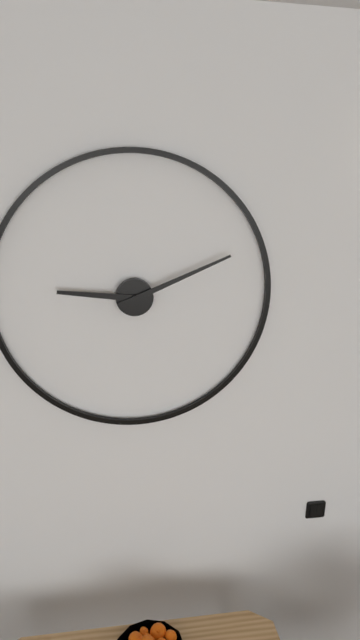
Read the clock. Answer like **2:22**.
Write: **9:11**
